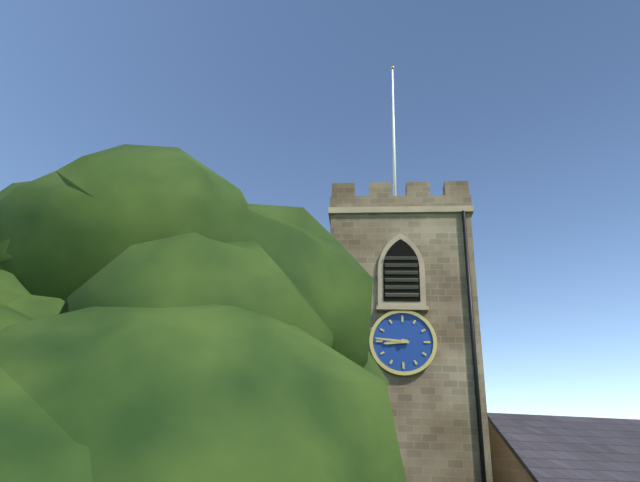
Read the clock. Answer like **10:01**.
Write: **8:46**
